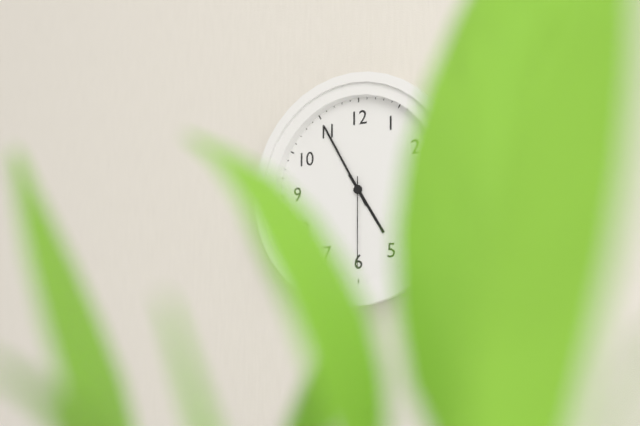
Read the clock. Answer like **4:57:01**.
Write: **4:55:30**
